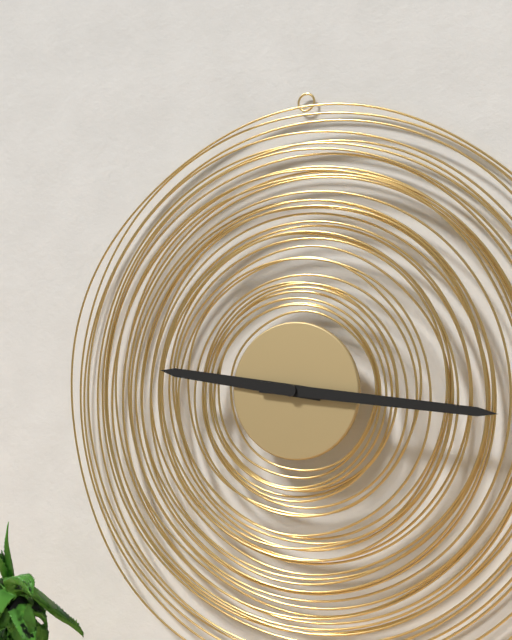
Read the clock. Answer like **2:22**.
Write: **9:16**
